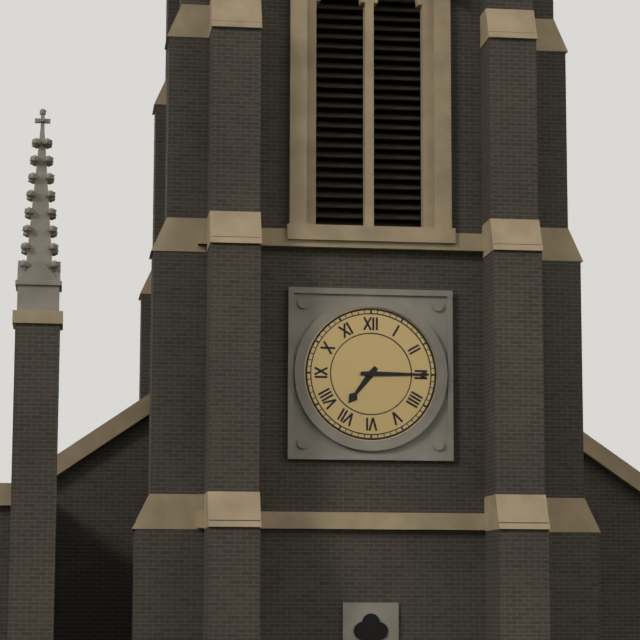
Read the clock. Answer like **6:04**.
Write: **7:15**
